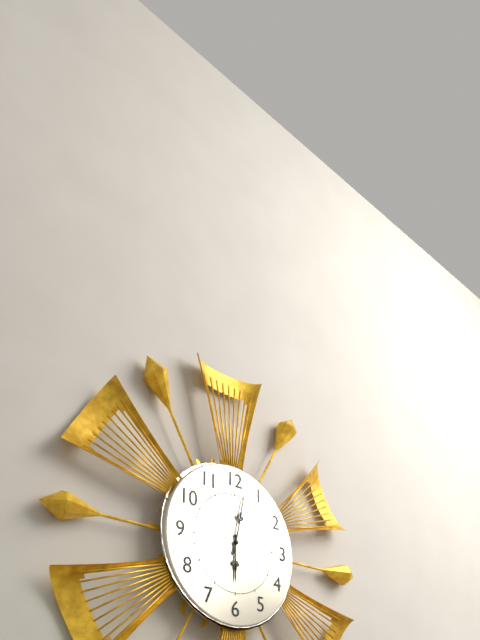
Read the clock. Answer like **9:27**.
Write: **6:02**
